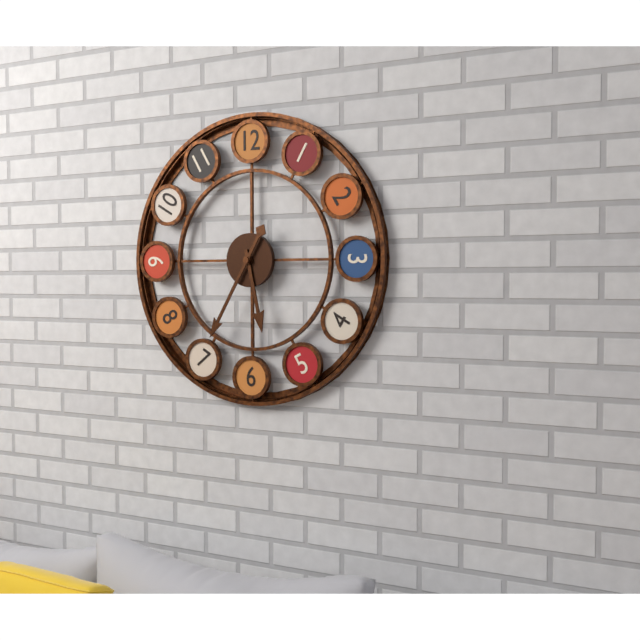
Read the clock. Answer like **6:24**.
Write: **5:35**
